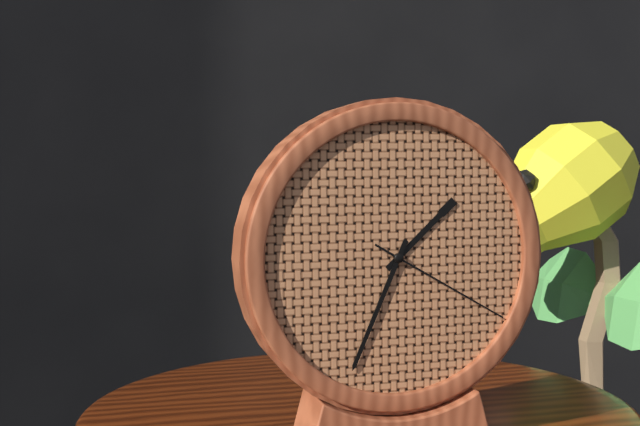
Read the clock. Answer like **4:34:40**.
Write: **1:34:20**
